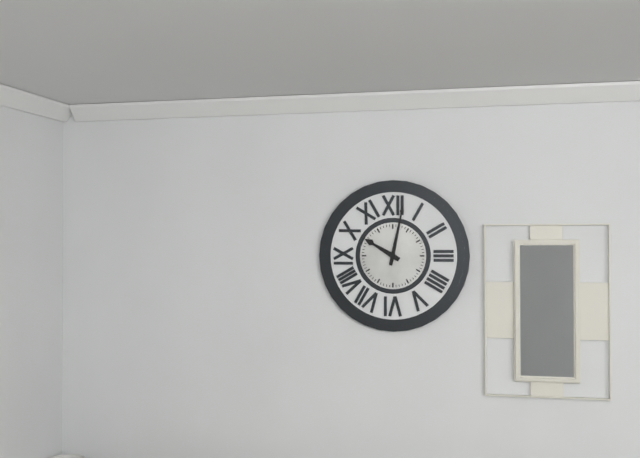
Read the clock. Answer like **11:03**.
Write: **10:02**
